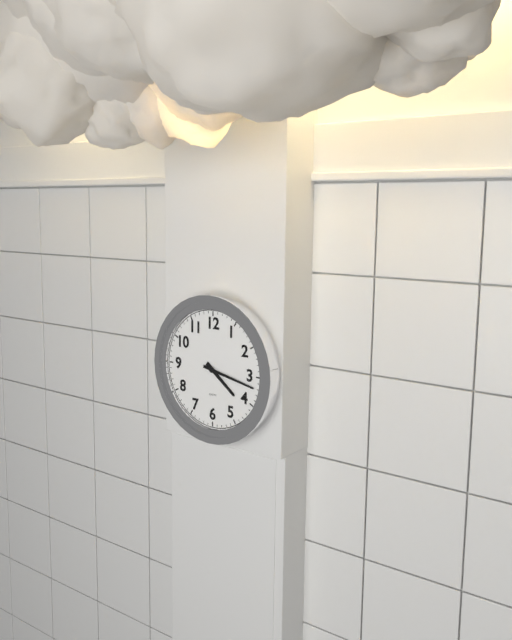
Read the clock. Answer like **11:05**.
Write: **4:17**
